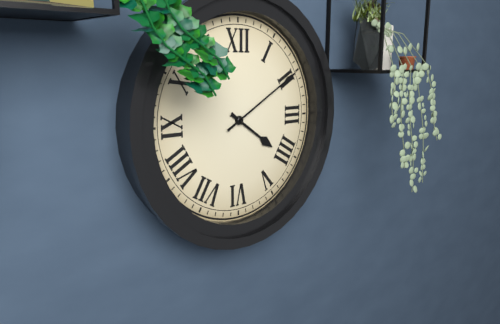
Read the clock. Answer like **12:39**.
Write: **4:10**
